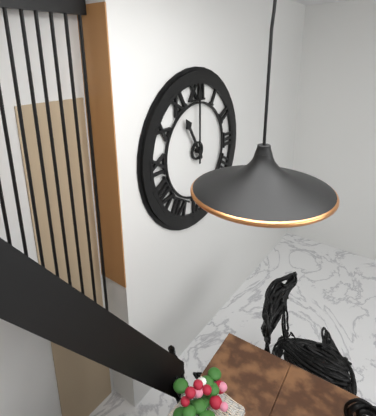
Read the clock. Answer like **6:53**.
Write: **11:00**
